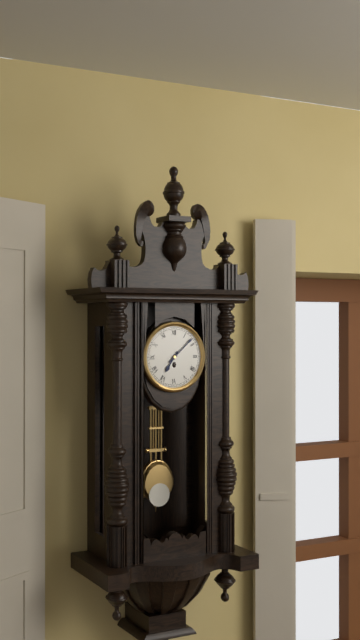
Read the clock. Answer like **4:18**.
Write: **7:08**
